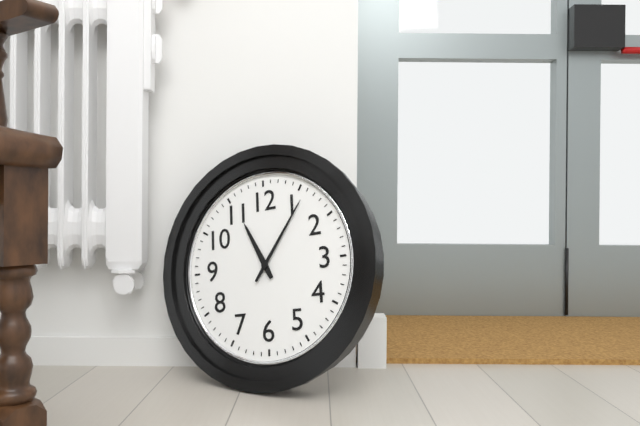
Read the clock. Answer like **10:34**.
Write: **11:06**
